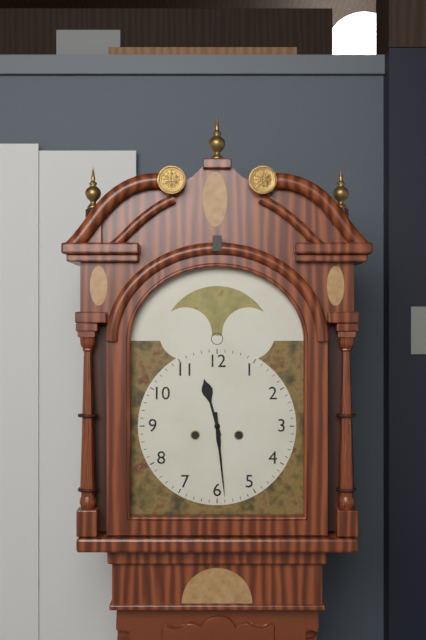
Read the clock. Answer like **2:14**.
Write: **11:29**
